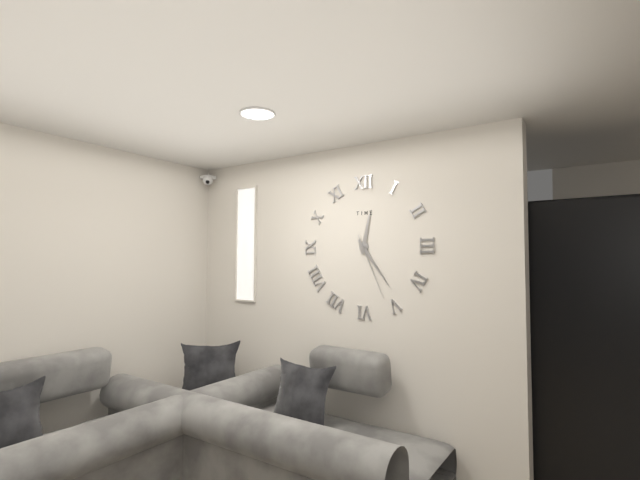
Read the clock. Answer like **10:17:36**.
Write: **12:24:26**
